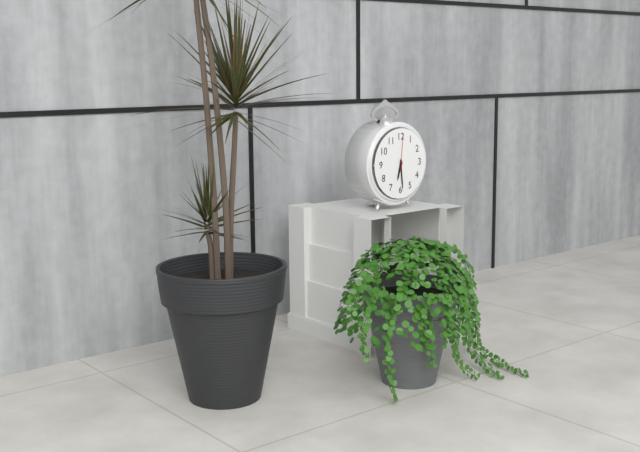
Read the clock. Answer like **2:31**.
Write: **6:29**
